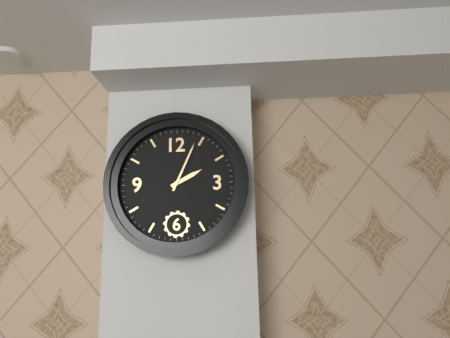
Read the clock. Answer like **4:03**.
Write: **2:04**
